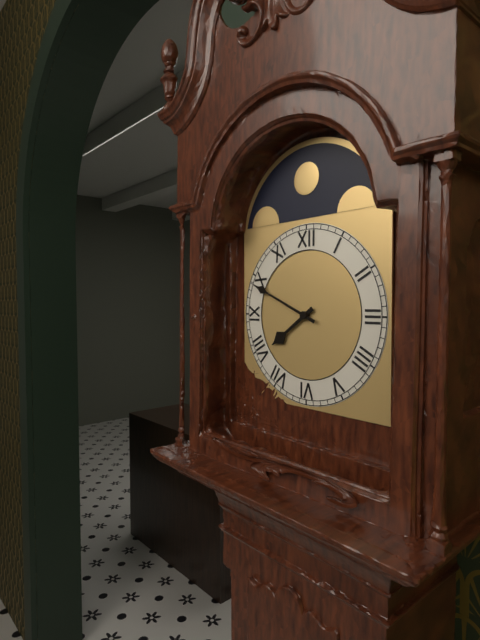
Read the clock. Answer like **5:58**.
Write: **7:49**
